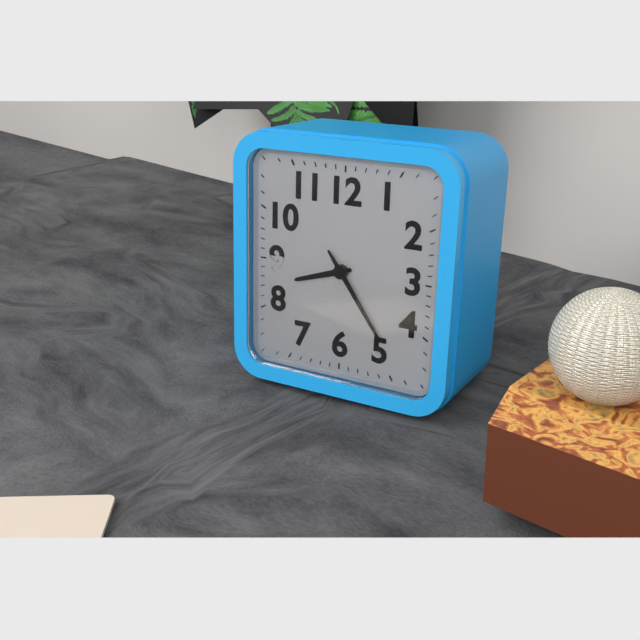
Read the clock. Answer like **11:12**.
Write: **8:24**
